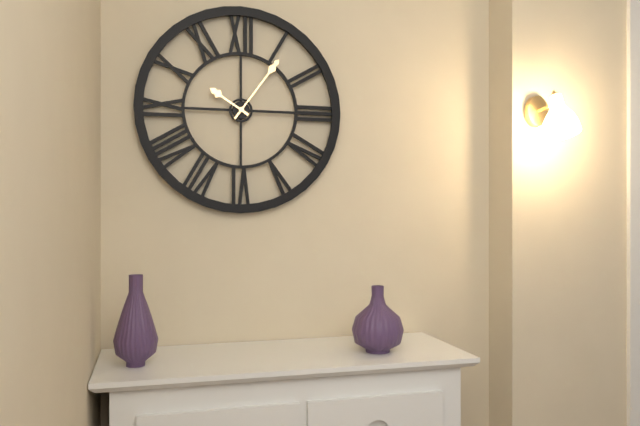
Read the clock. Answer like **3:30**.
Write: **10:06**
